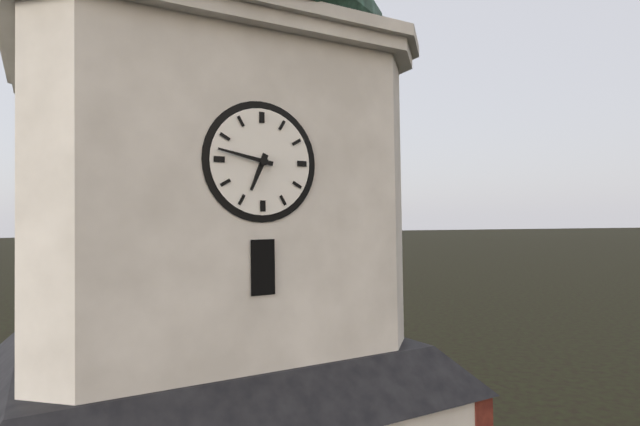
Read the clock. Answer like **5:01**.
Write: **6:47**
